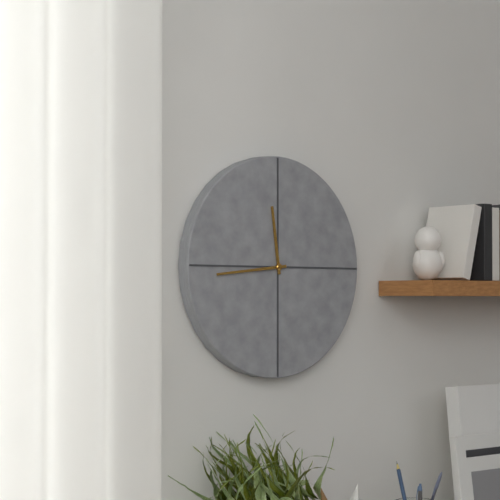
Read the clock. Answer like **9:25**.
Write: **11:44**
